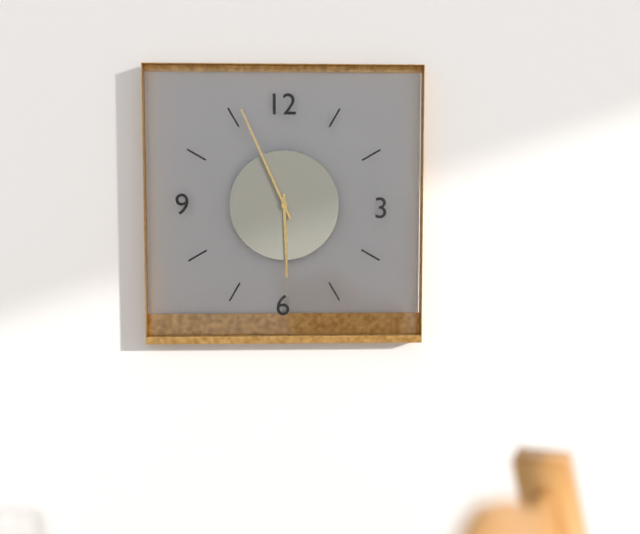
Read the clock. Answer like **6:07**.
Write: **5:56**
